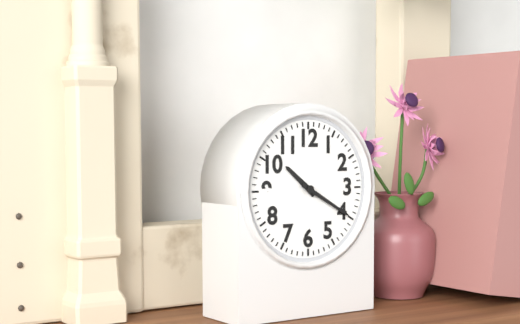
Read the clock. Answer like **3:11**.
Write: **10:20**
